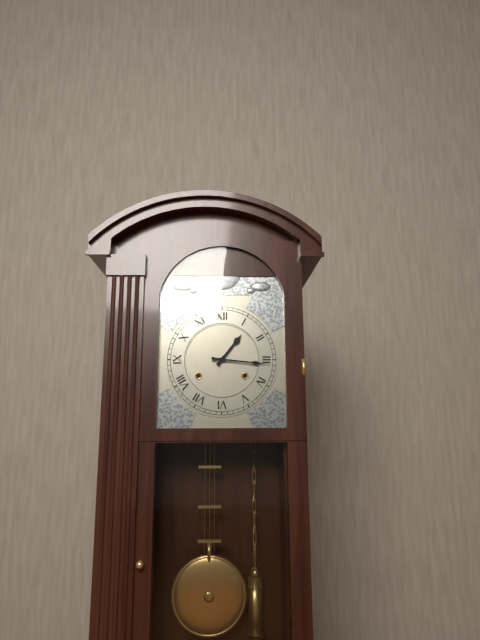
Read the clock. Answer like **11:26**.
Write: **1:16**
